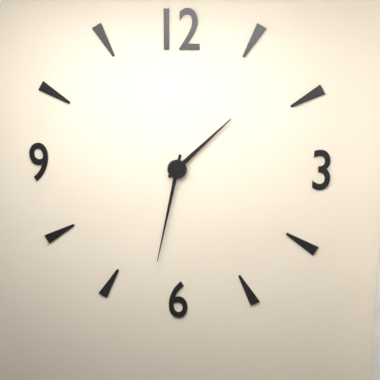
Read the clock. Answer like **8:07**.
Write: **1:32**
